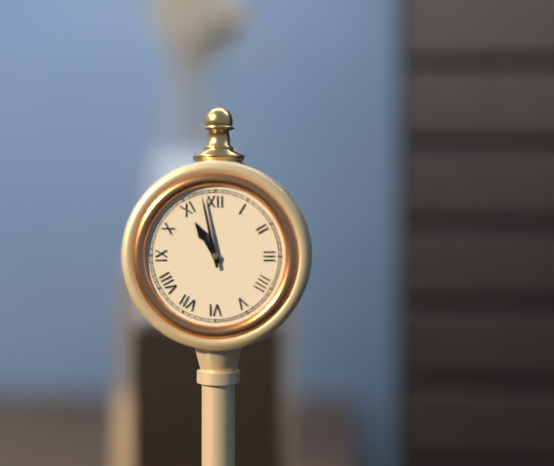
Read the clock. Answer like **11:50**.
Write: **10:58**
